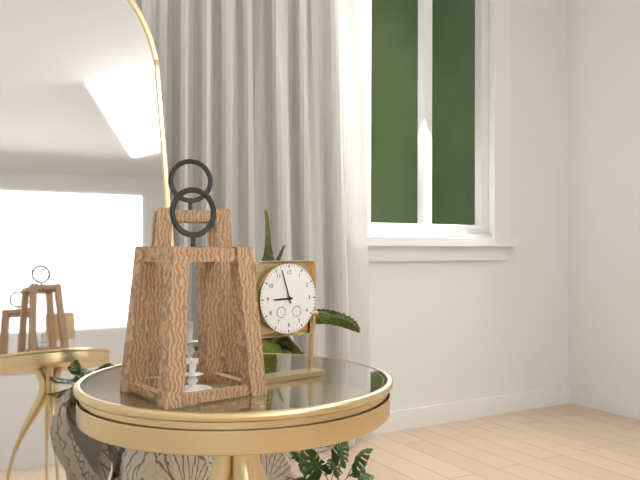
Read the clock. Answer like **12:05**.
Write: **8:57**
